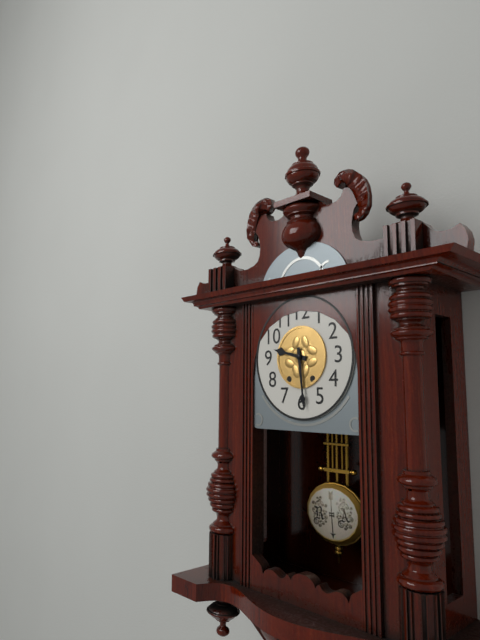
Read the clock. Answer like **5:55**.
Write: **9:29**
